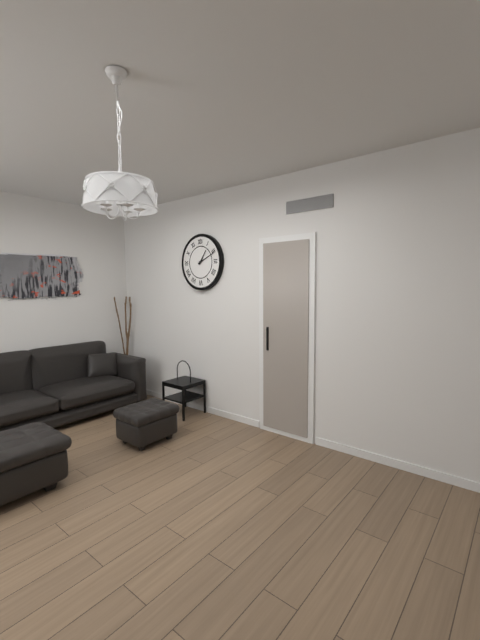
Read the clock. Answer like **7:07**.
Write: **1:11**
